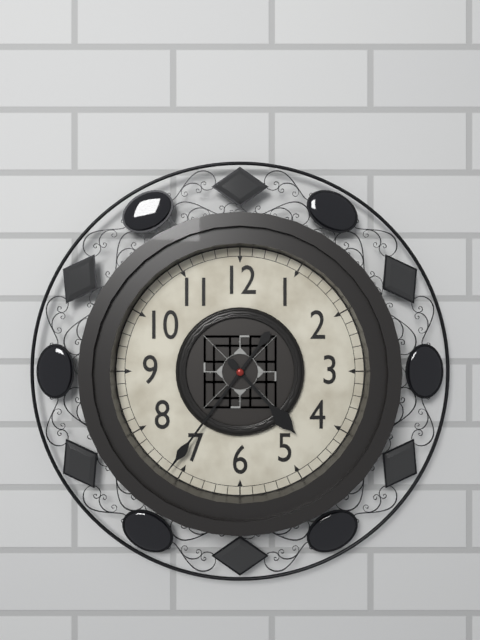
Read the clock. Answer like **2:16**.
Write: **4:36**
